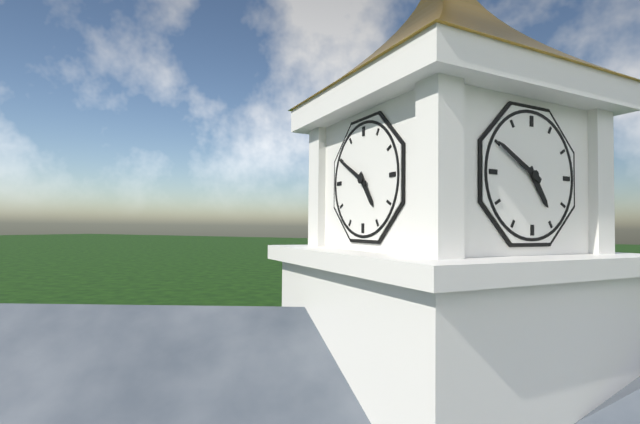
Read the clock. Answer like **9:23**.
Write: **4:50**
